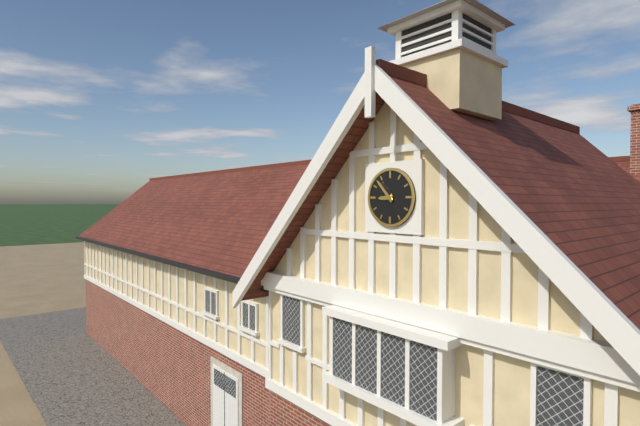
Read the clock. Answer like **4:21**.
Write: **8:53**
